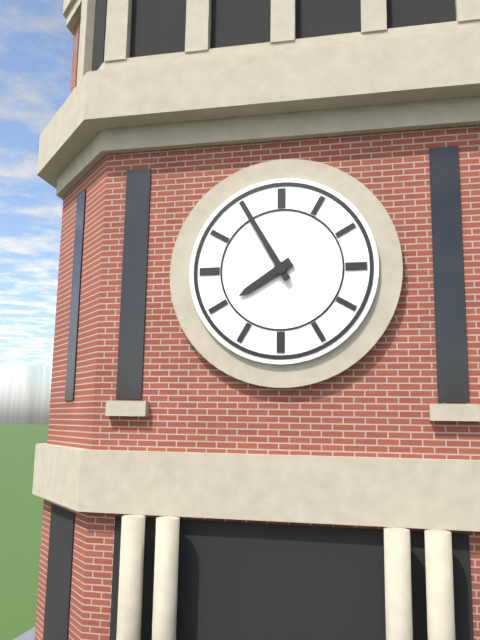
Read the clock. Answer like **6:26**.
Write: **7:55**
